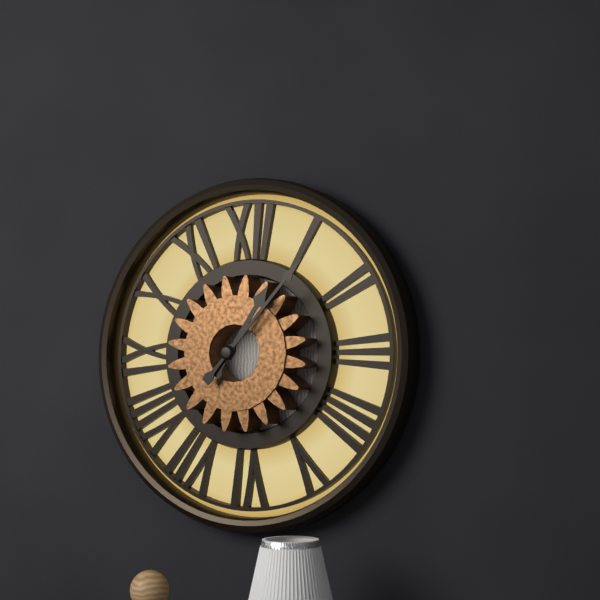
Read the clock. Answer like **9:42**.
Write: **1:07**
